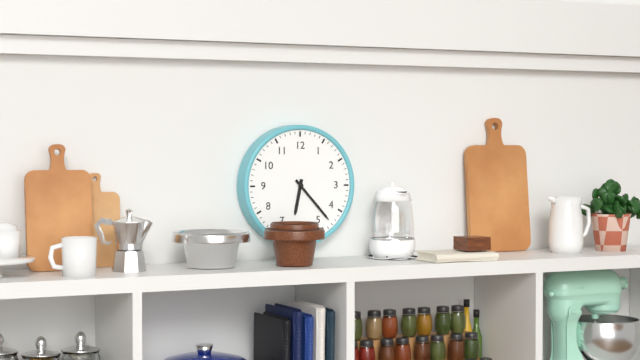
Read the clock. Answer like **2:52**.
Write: **6:23**
